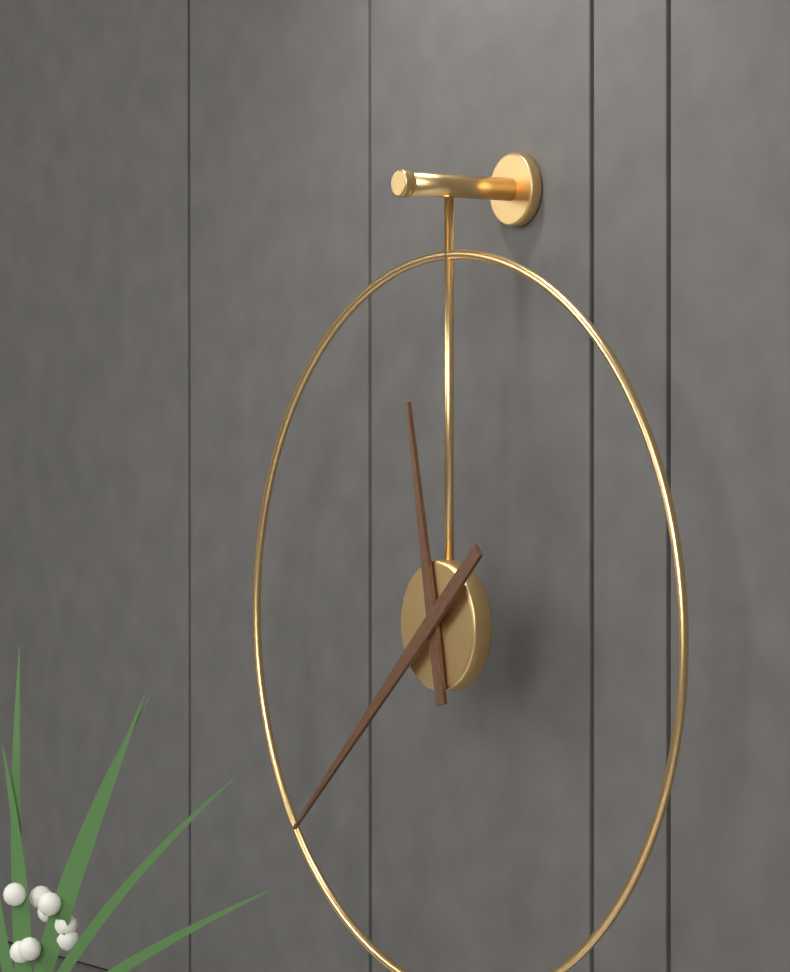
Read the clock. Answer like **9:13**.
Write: **11:38**
